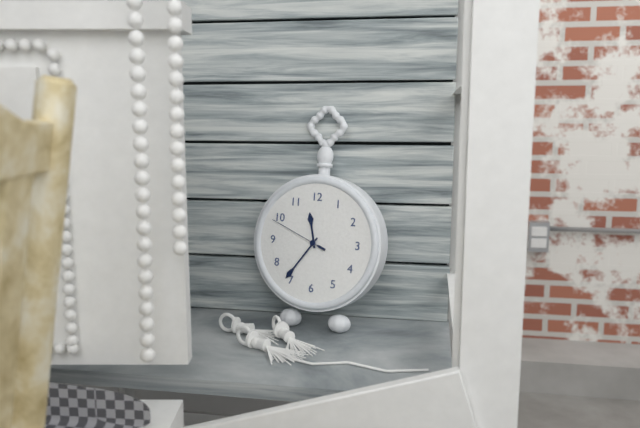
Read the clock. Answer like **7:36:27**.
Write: **11:36:49**
